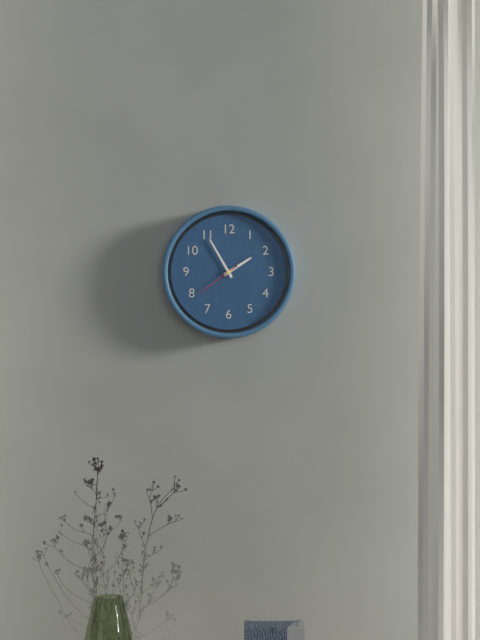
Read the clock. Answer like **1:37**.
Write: **1:55**
